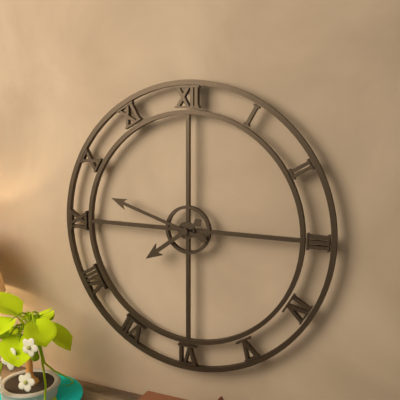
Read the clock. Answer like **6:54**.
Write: **7:48**
